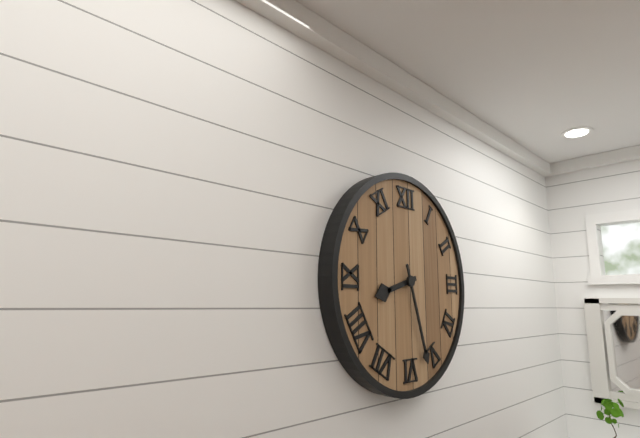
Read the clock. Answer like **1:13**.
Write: **8:27**
